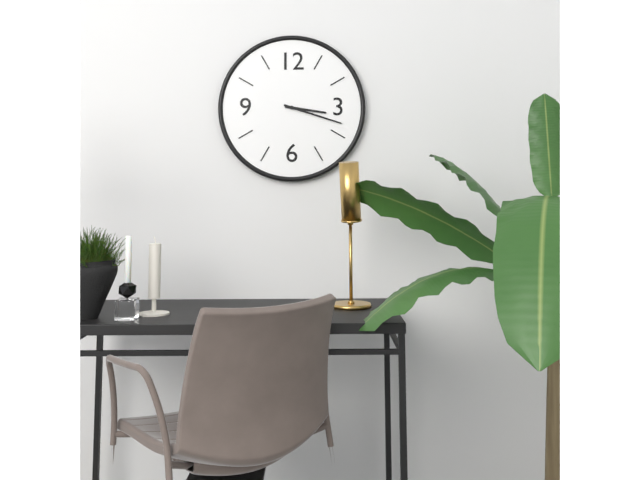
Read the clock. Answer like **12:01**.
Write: **3:18**
